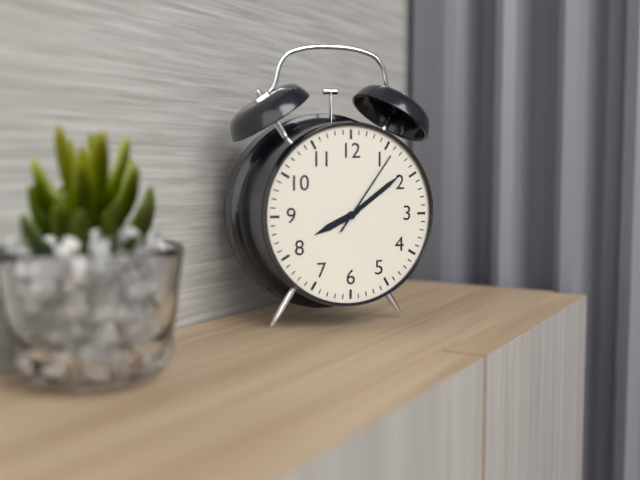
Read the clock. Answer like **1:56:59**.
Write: **8:09:06**
